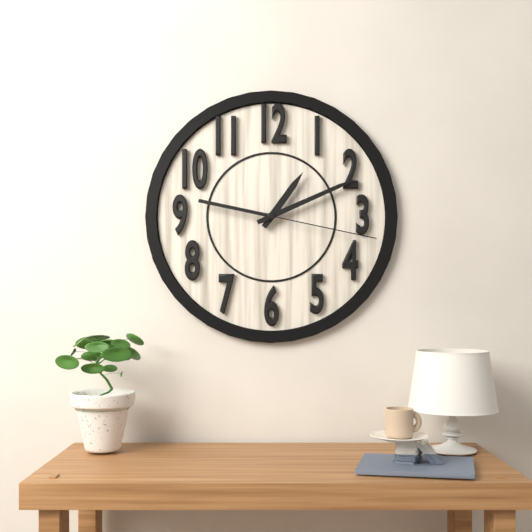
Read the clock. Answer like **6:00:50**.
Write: **1:11:17**
